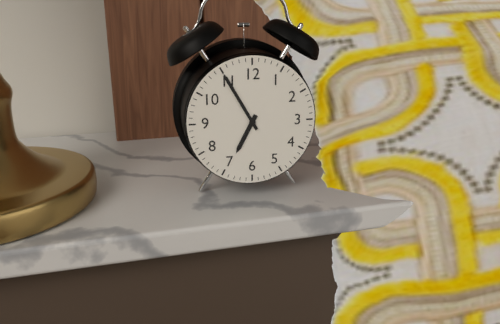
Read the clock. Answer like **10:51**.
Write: **6:55**
